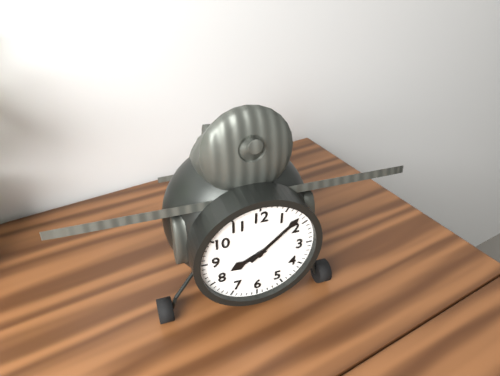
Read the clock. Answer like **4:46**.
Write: **8:08**
